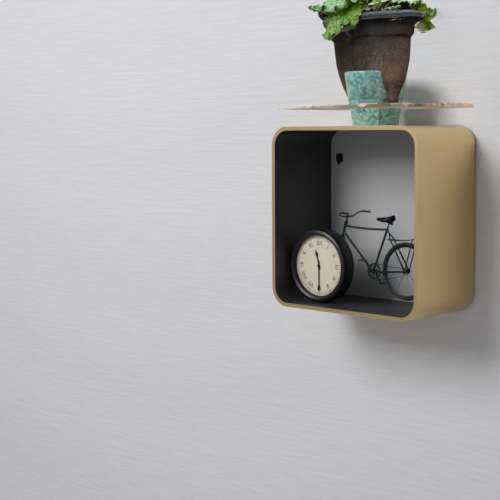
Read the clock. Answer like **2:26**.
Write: **11:30**
